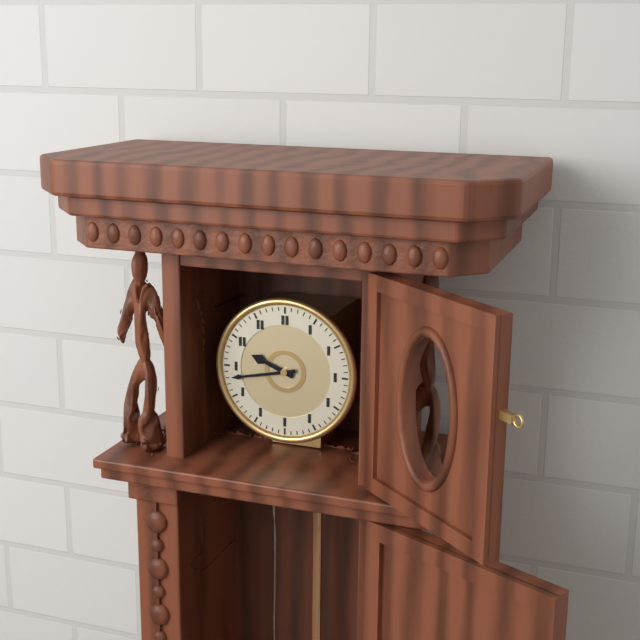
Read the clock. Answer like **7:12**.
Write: **9:43**
